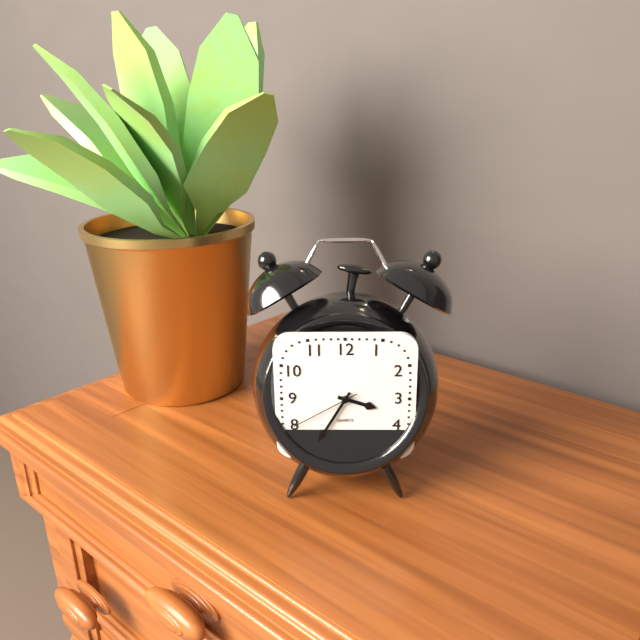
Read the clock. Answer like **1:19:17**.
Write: **3:35:40**
